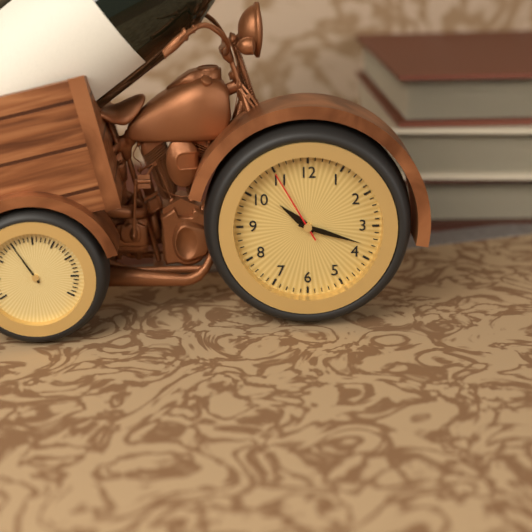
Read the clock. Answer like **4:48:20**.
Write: **10:18:55**
